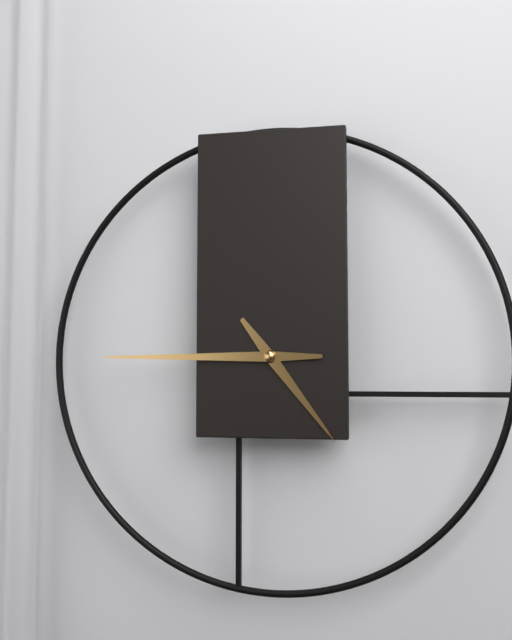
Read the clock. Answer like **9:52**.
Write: **4:45**
